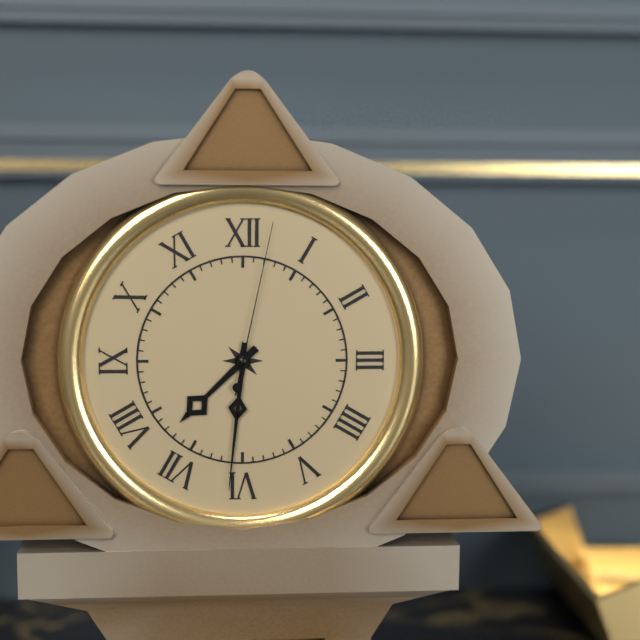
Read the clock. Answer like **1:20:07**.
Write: **7:31:02**
